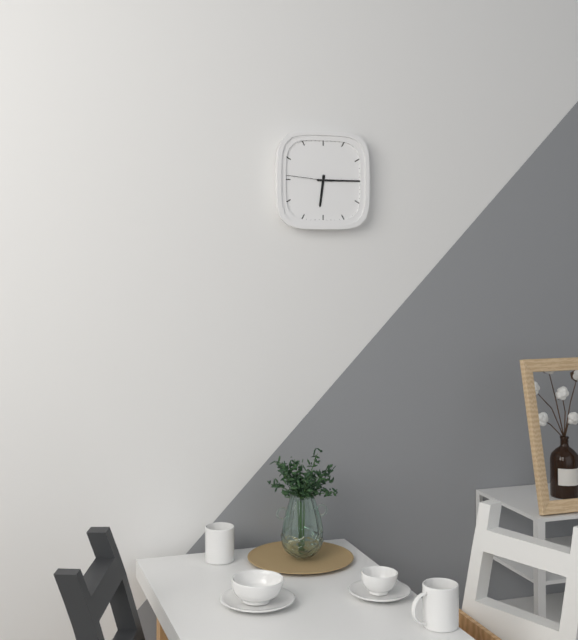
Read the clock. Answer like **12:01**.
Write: **6:15**
